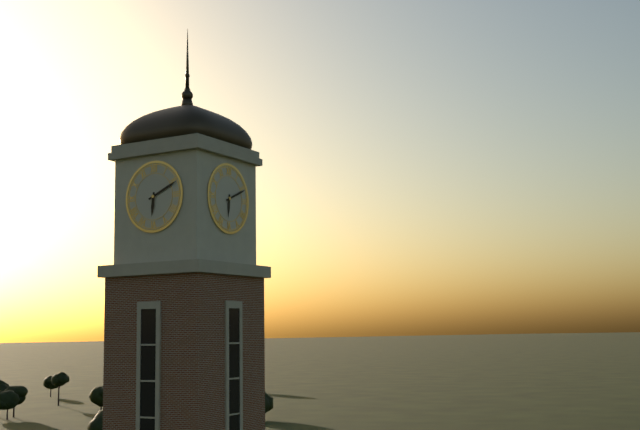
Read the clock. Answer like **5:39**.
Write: **6:11**
